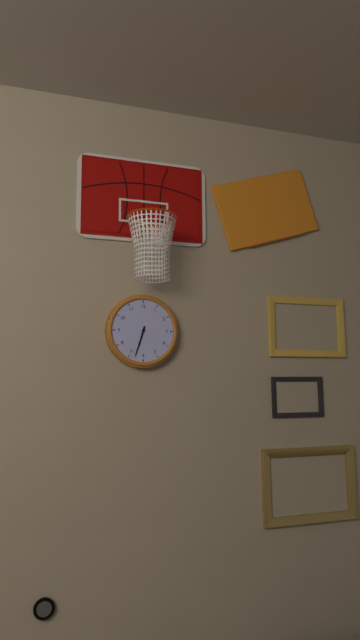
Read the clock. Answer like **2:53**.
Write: **6:33**
